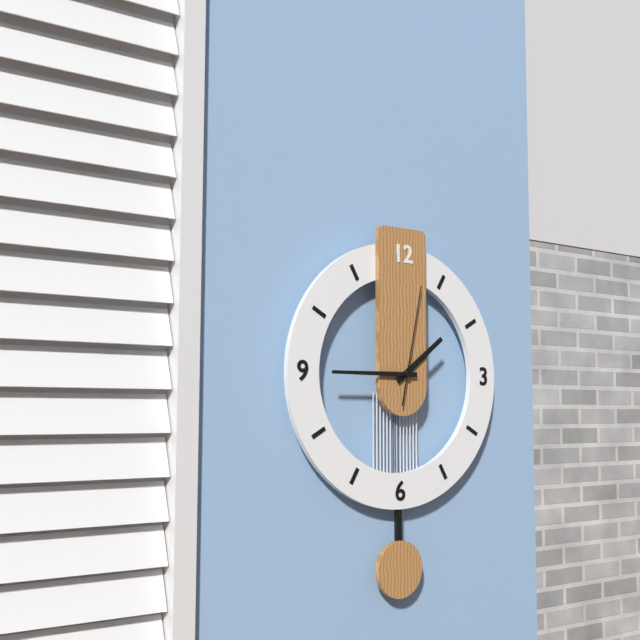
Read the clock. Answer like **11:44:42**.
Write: **1:45:02**
